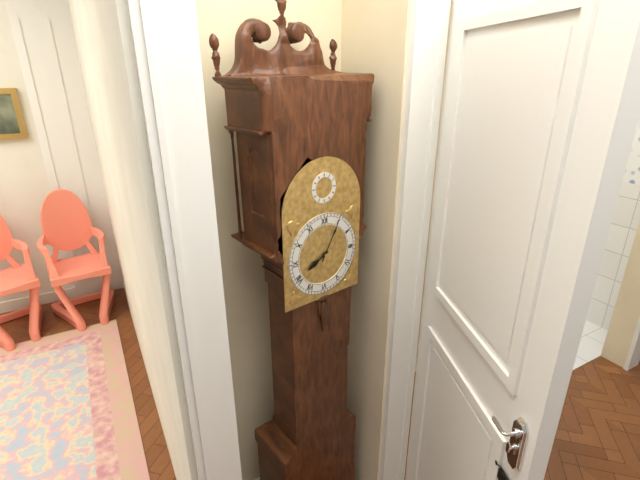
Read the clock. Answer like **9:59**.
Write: **8:05**
